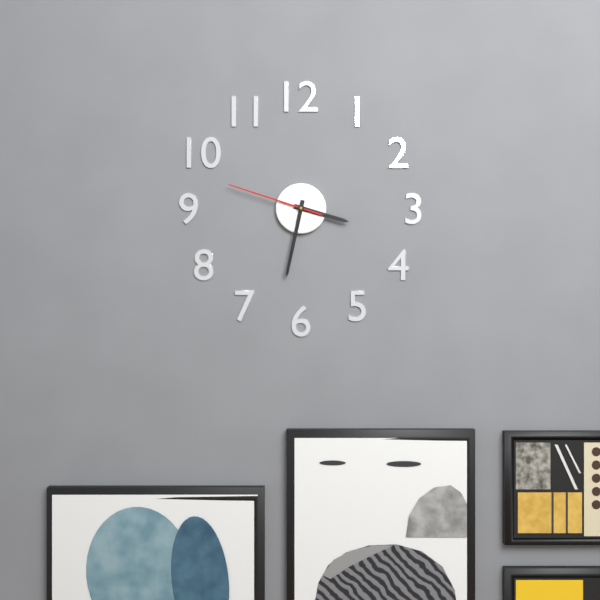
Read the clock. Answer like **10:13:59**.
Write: **3:32:48**
